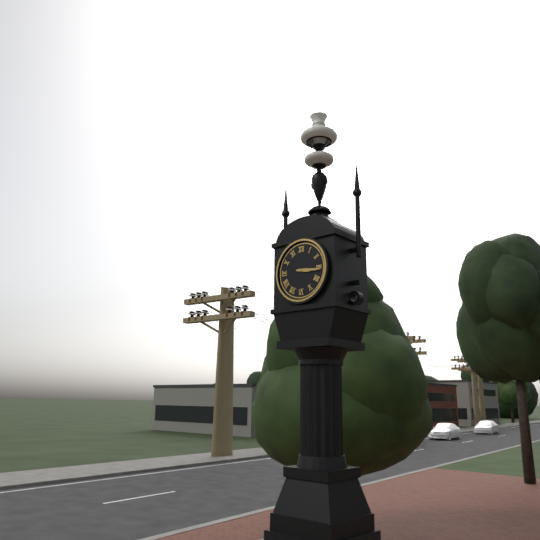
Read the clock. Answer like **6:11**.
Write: **3:16**
